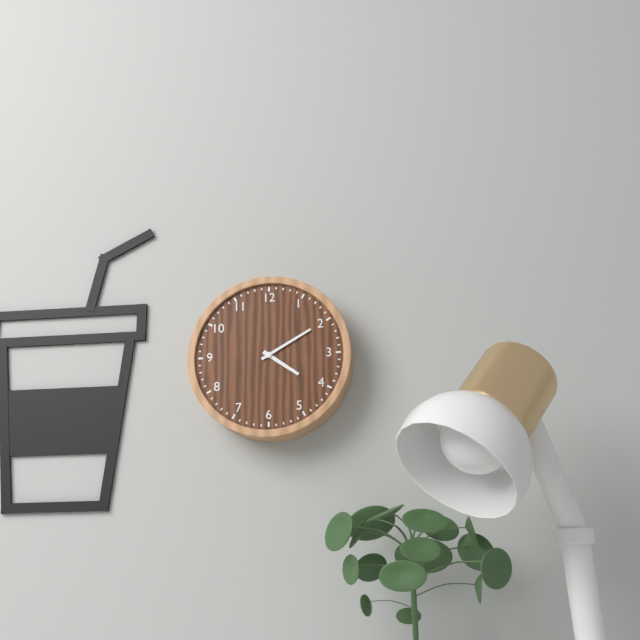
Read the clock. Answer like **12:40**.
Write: **4:10**
